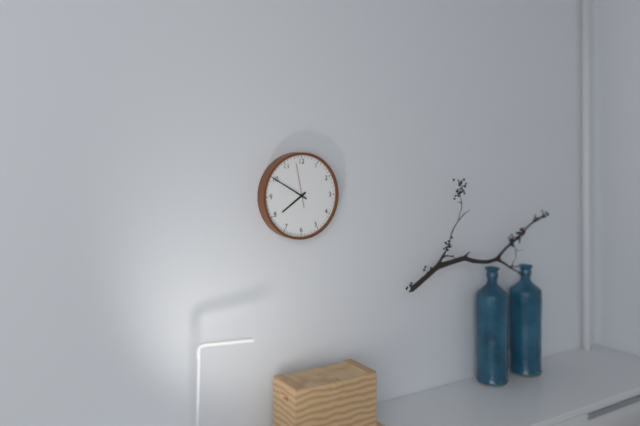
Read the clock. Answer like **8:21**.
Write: **7:50**
